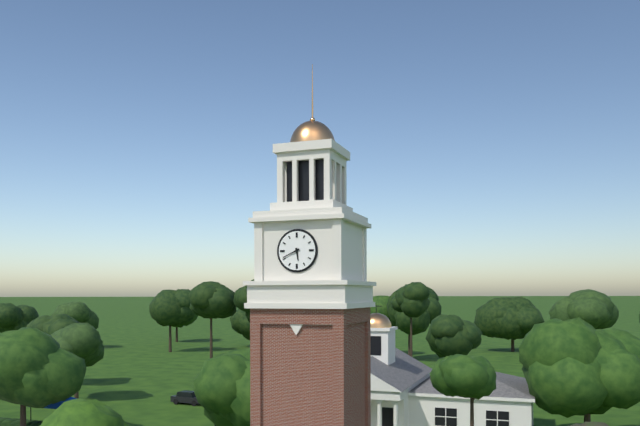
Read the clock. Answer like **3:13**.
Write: **5:41**
